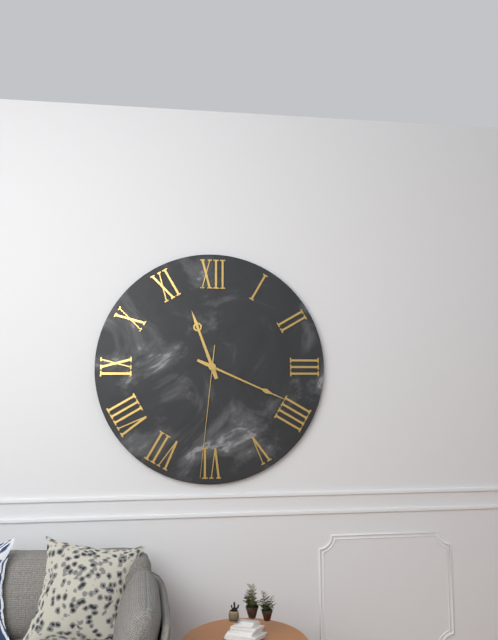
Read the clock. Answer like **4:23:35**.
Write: **11:19:31**
